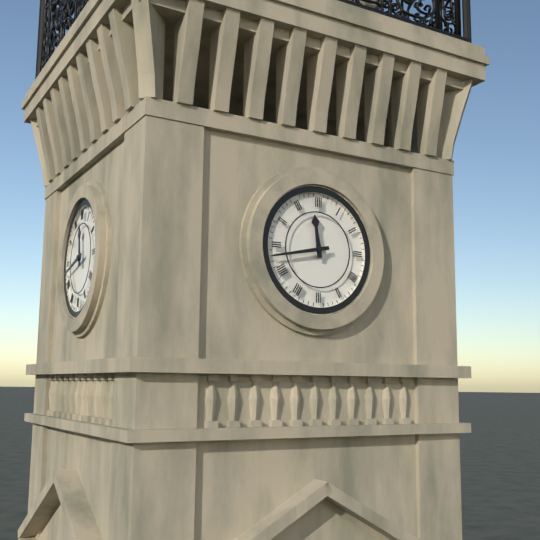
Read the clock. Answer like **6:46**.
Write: **11:43**
